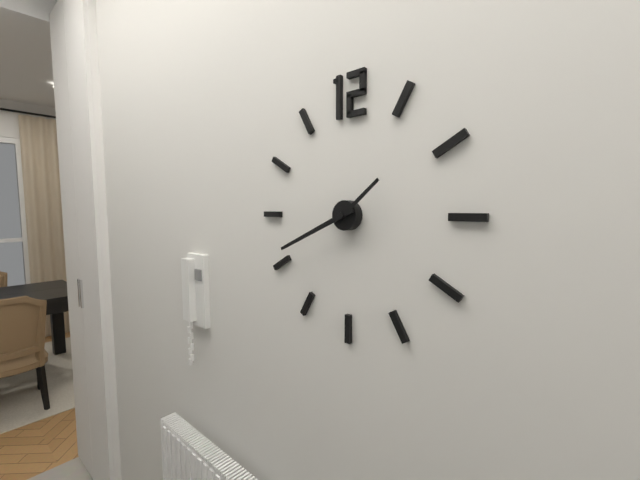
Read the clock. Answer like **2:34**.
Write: **1:41**
